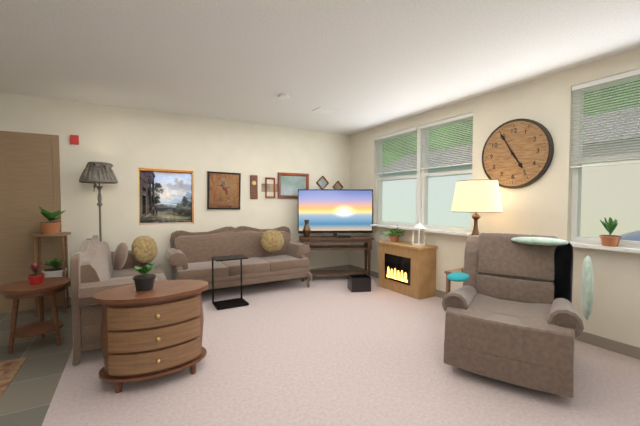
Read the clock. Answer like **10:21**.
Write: **4:55**
